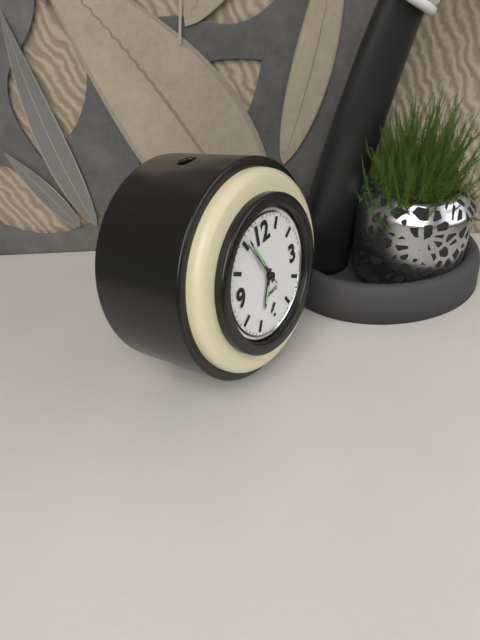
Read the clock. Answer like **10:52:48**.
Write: **6:56:55**
